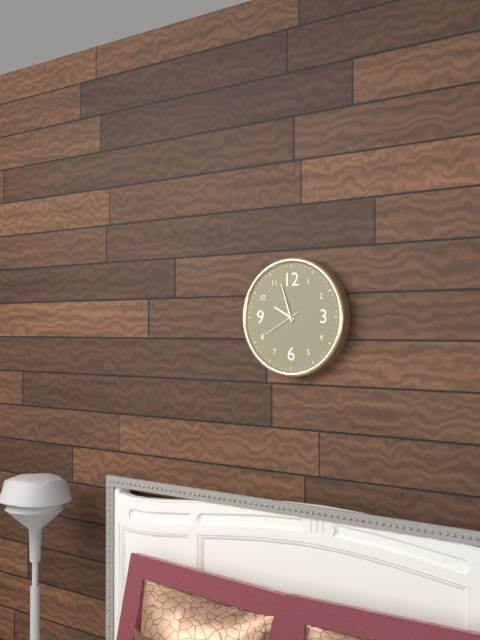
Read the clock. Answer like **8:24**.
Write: **9:57**
